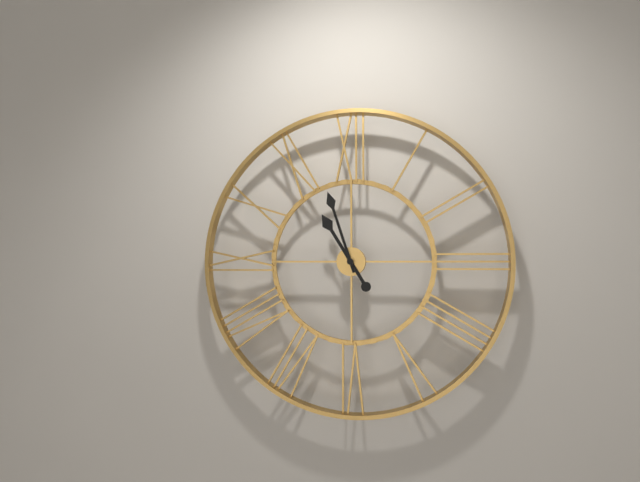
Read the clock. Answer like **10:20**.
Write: **10:57**
